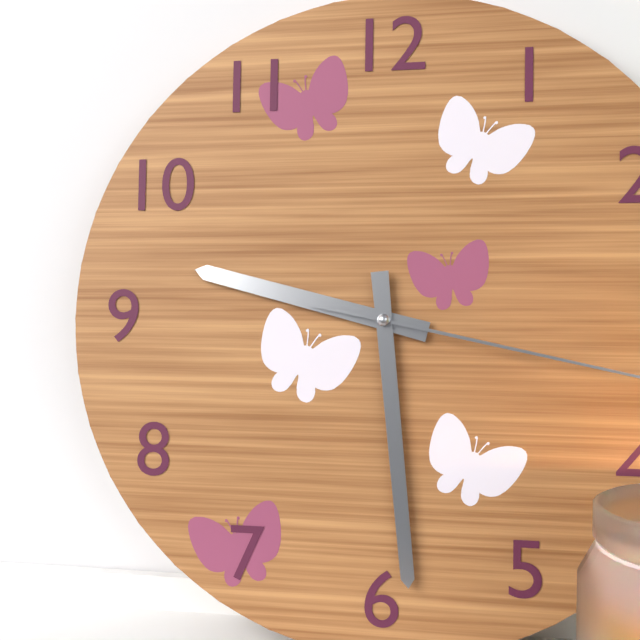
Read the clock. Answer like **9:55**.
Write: **9:29**
